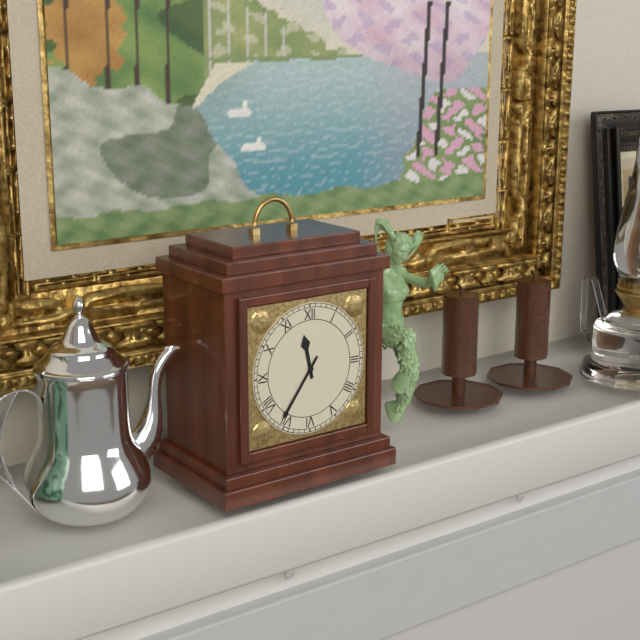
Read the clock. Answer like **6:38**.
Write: **11:36**
